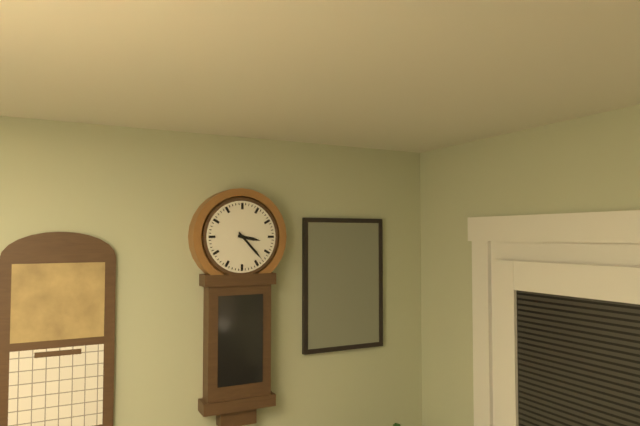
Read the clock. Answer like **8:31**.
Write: **3:23**
